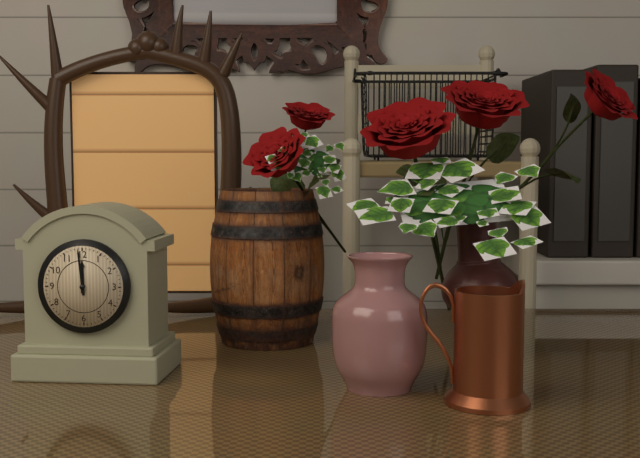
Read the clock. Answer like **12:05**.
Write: **11:59**
